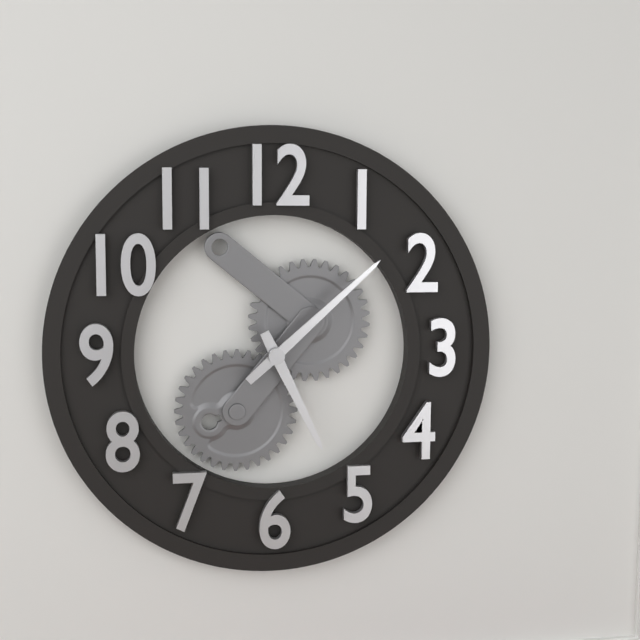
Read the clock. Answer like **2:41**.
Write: **5:08**
